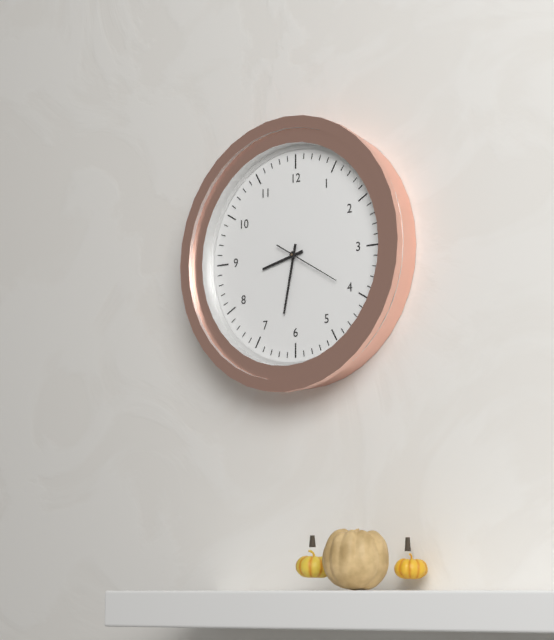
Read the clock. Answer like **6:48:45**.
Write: **8:32:20**
